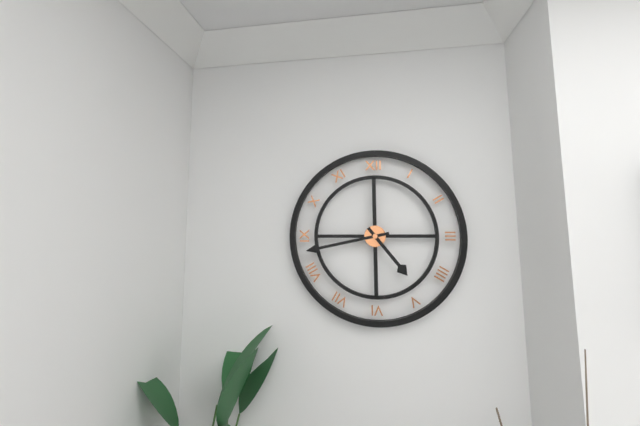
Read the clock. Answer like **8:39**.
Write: **4:43**
